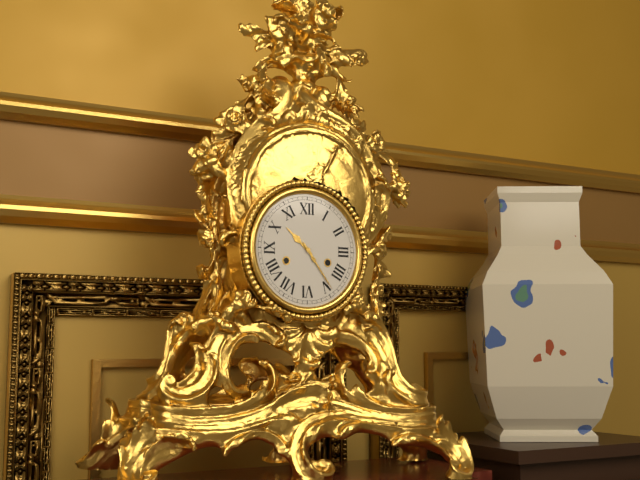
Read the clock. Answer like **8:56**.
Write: **10:24**
